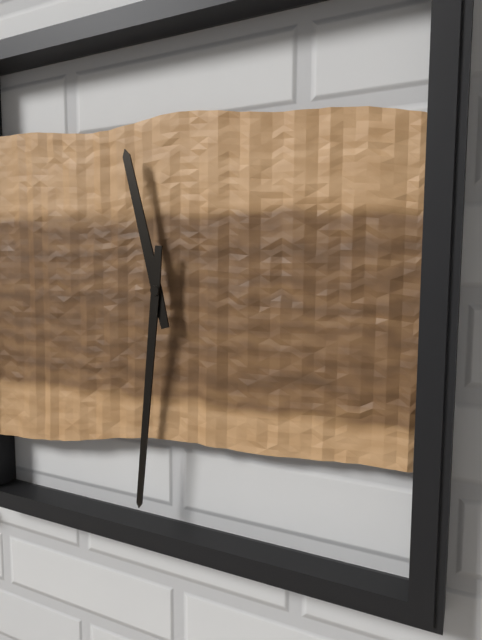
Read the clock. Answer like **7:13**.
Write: **11:31**
